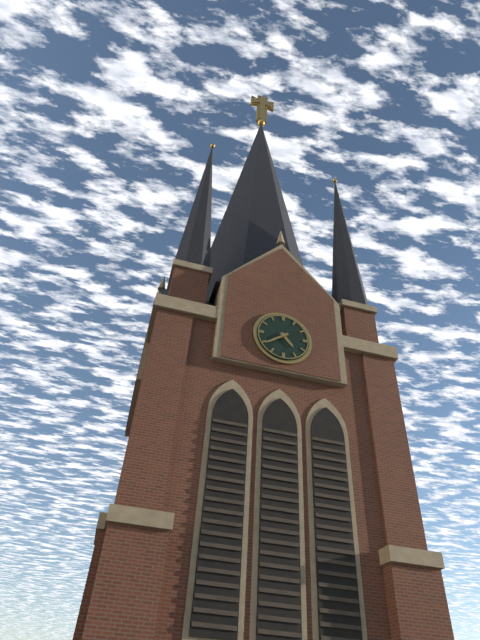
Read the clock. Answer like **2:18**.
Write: **4:39**
